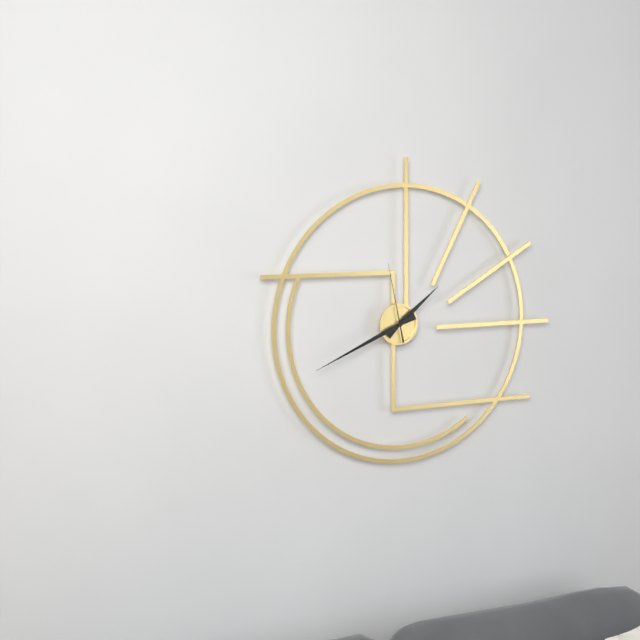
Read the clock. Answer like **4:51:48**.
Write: **1:41:58**
